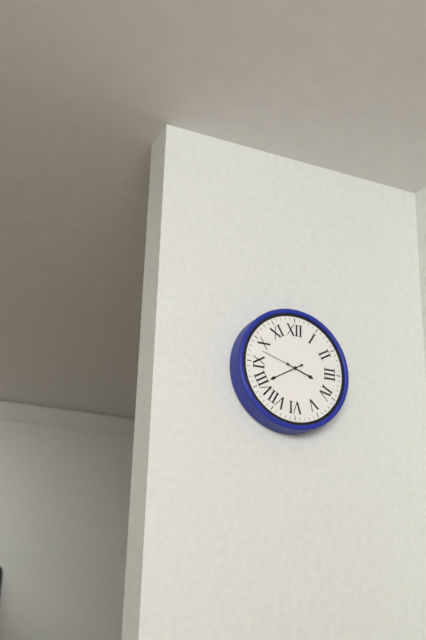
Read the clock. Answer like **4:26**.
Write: **3:40**
